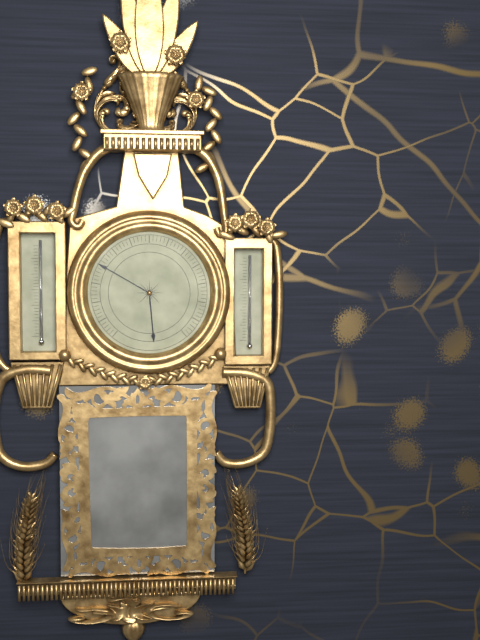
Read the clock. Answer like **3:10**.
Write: **5:50**
